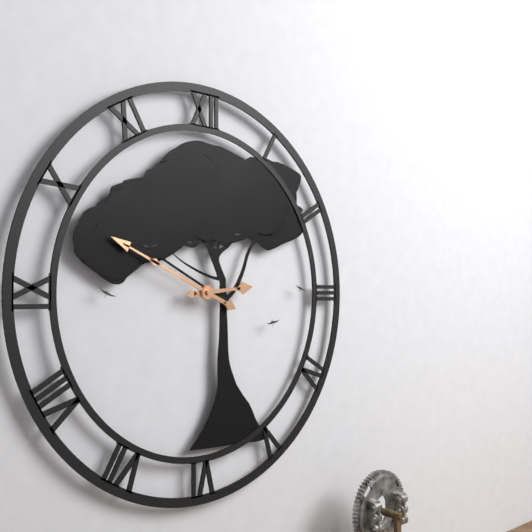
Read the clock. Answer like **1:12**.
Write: **2:49**
